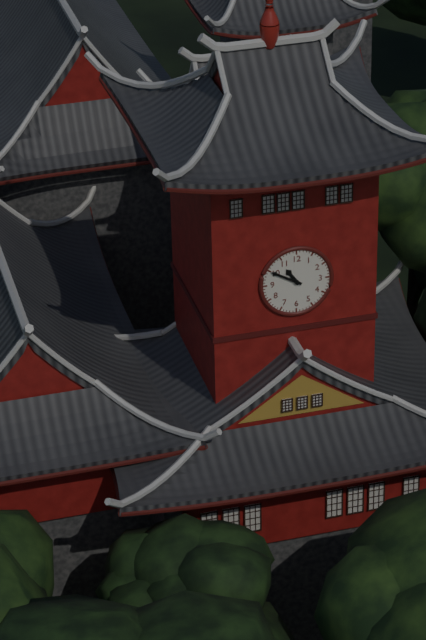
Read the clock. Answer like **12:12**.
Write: **10:50**
